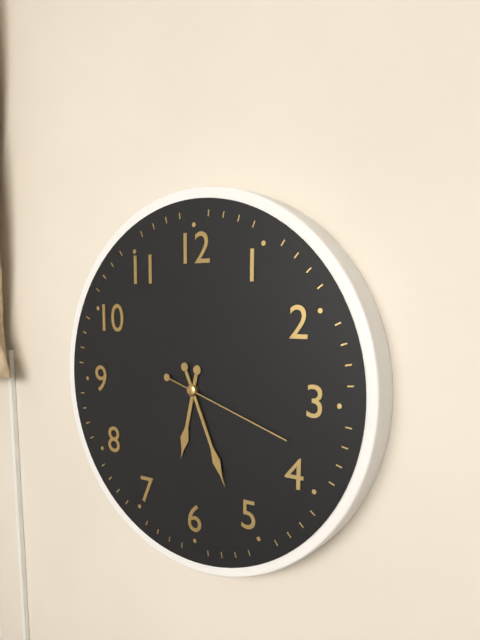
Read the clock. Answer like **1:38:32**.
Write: **6:26:18**
